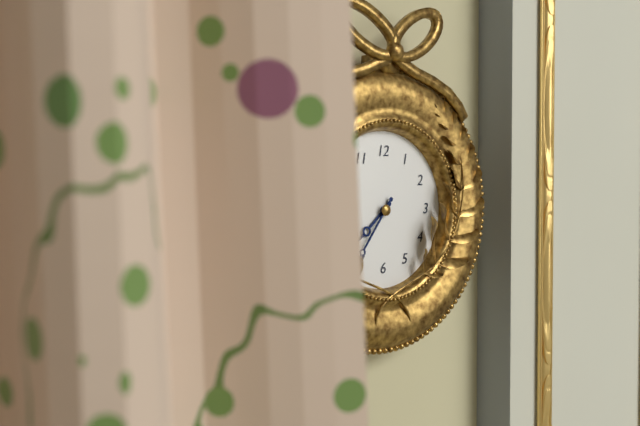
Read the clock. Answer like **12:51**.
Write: **7:36**
